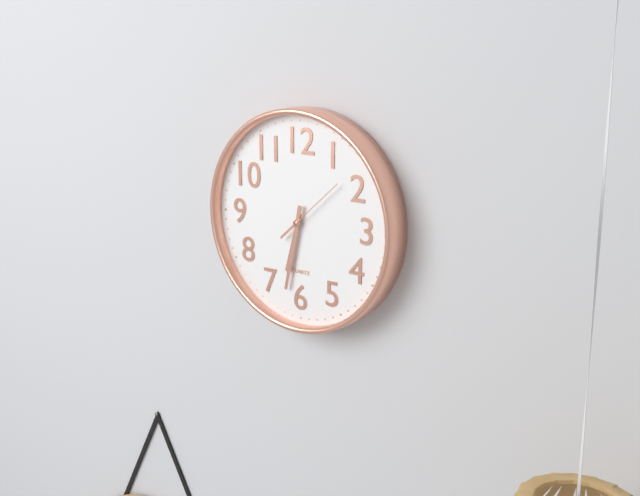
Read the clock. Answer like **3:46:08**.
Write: **6:32:08**
